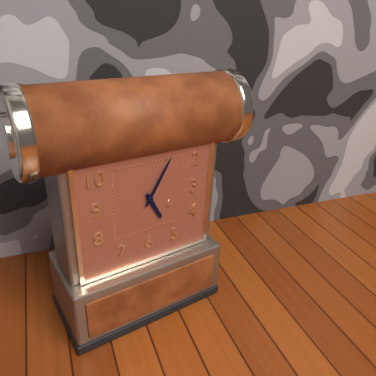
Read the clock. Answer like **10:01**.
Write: **5:05**
